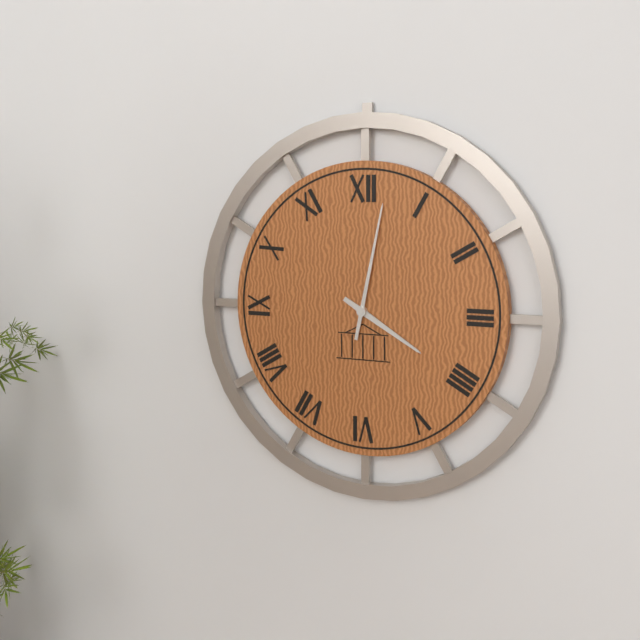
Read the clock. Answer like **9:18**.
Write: **4:02**
